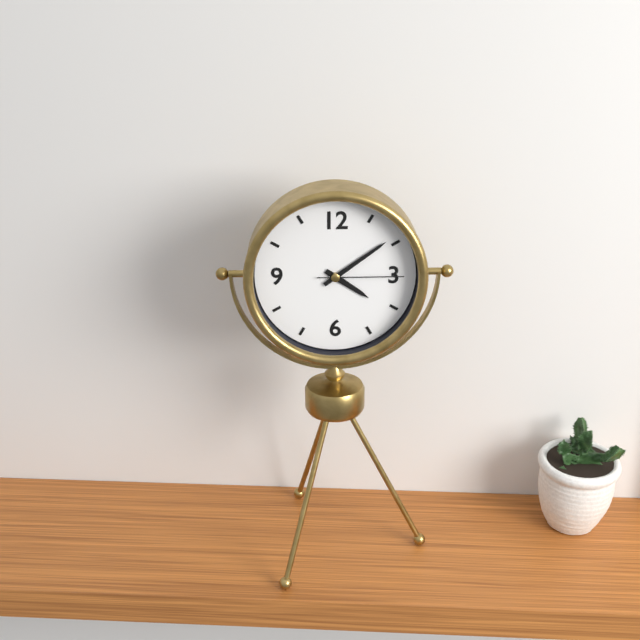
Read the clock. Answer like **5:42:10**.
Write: **4:09:15**
